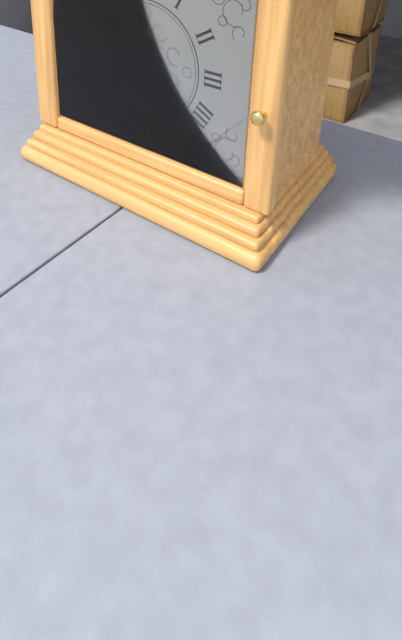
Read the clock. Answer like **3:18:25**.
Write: **9:29:25**
